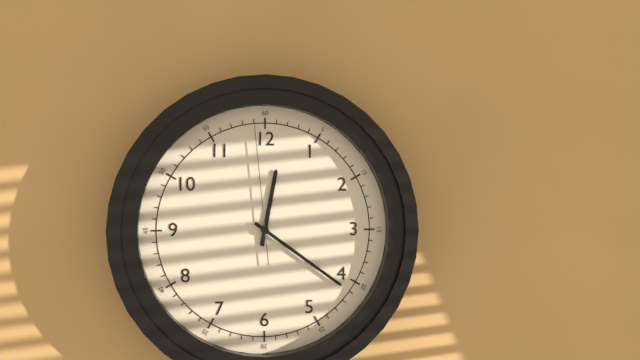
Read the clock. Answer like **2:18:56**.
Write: **12:21:59**
